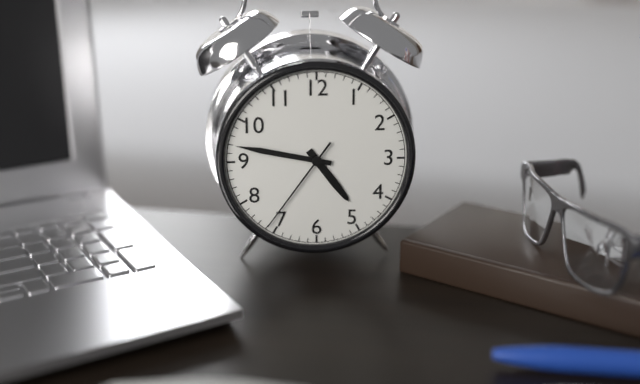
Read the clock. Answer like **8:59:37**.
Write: **4:47:36**
